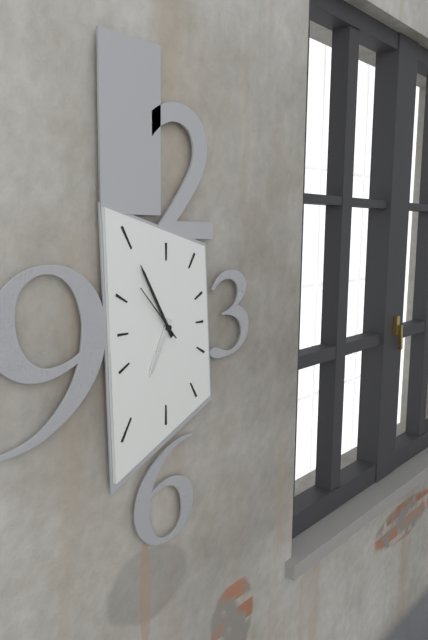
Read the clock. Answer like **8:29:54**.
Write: **6:55:53**
